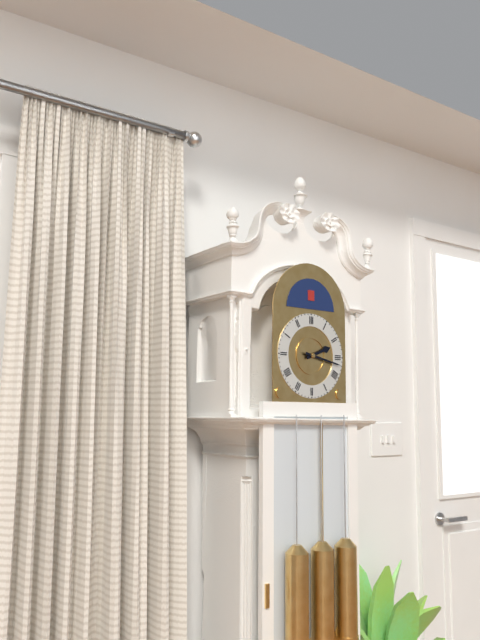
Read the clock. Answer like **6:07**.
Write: **2:17**
